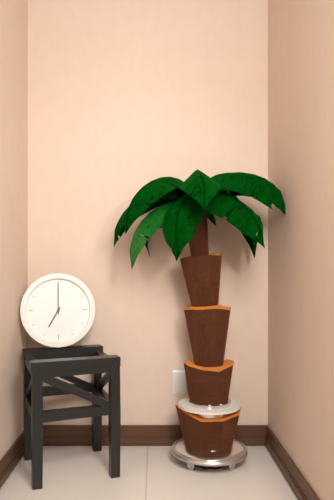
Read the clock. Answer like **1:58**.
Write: **7:00**
